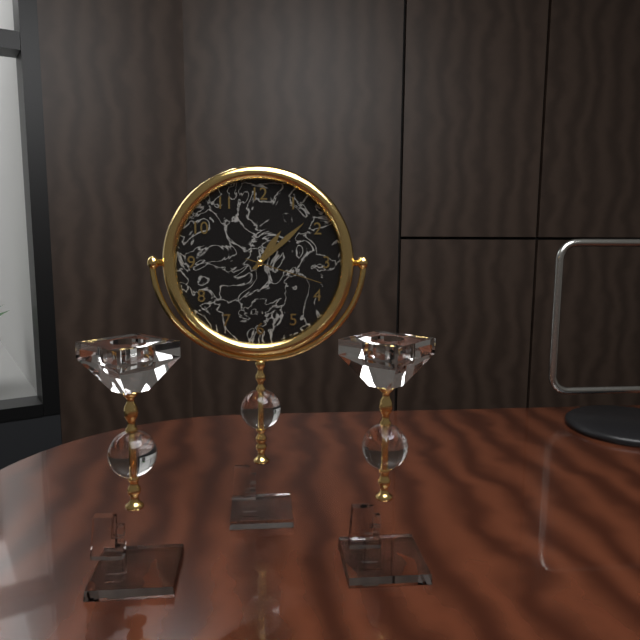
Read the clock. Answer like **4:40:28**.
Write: **1:08:18**
